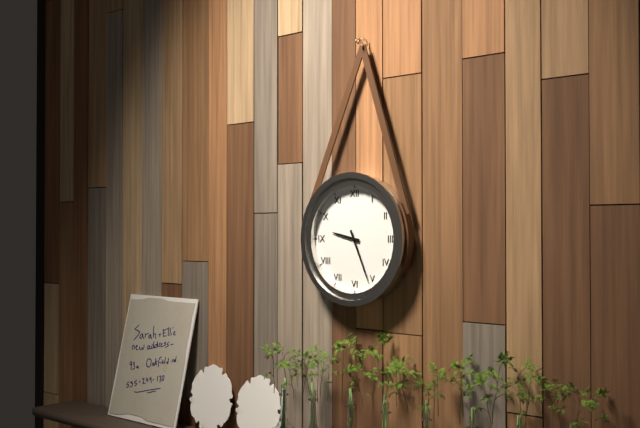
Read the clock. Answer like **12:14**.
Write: **9:26**
